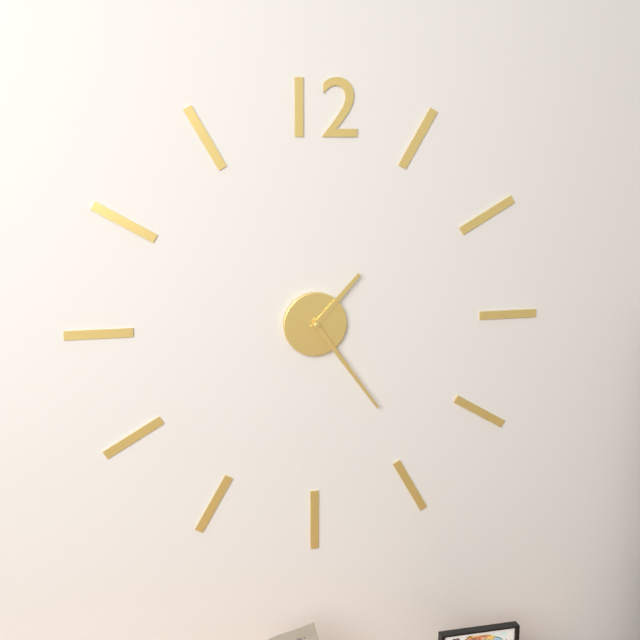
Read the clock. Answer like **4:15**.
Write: **1:24**
